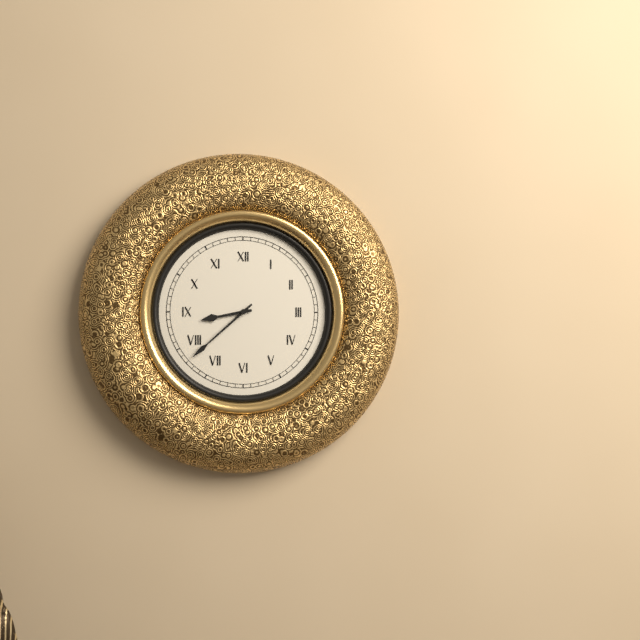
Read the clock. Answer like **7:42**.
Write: **8:38**
